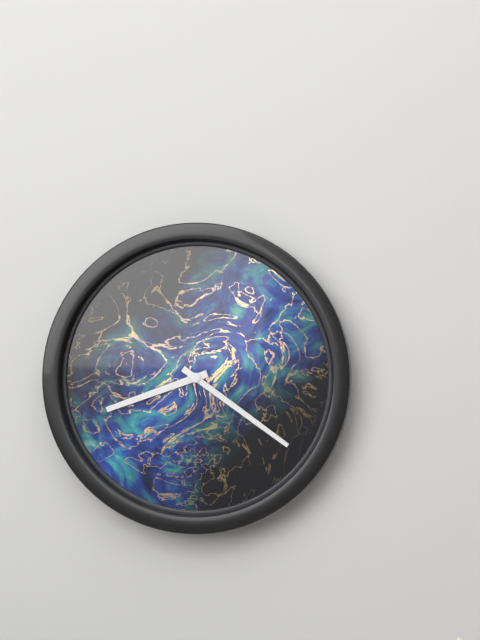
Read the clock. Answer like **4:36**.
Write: **8:21**
